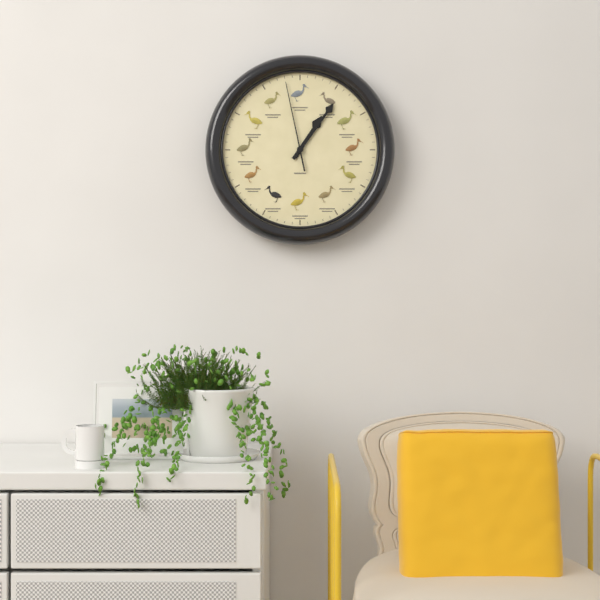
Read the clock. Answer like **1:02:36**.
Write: **1:06:58**
